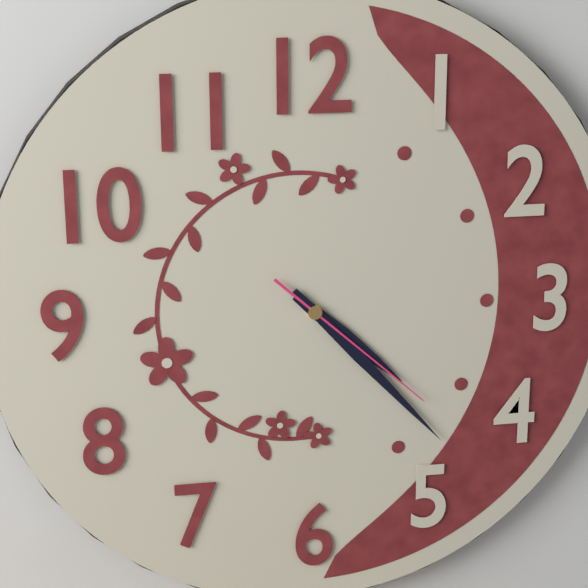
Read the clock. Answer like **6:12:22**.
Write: **4:23:22**
